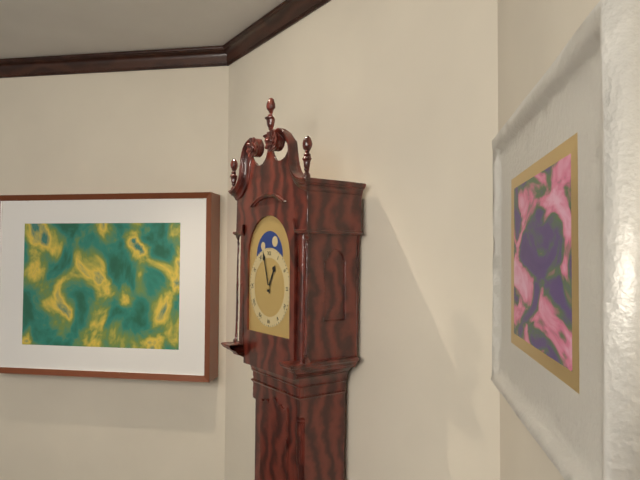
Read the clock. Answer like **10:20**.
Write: **12:57**
